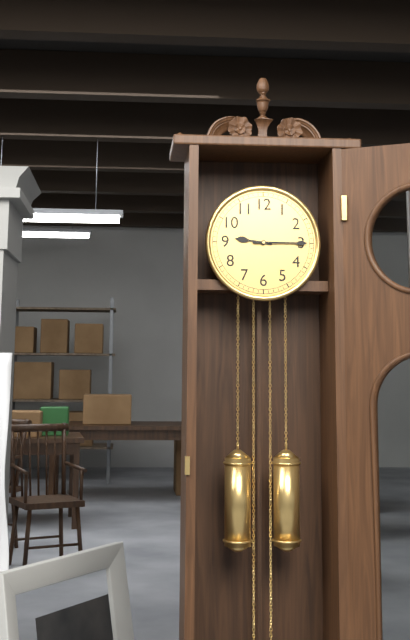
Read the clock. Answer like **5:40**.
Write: **9:15**
